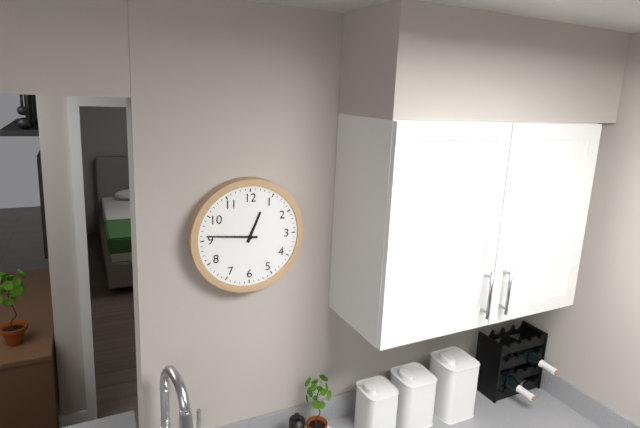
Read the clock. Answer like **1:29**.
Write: **12:46**
